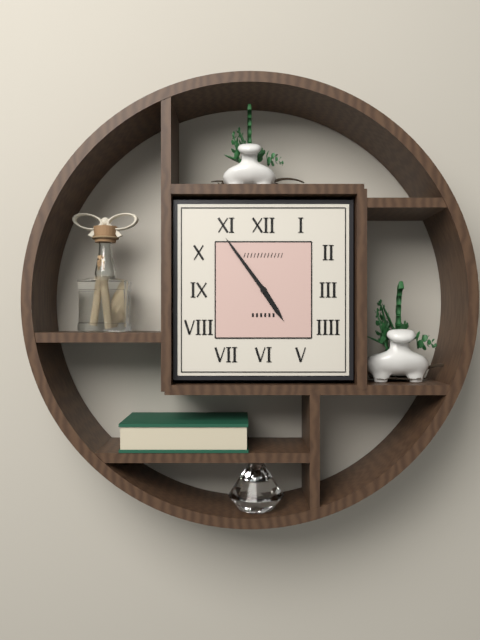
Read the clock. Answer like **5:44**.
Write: **4:54**
